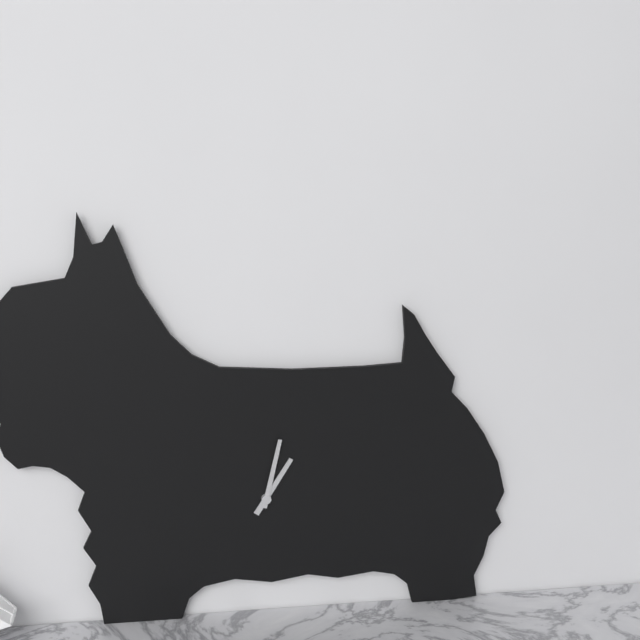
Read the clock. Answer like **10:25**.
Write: **1:02**
